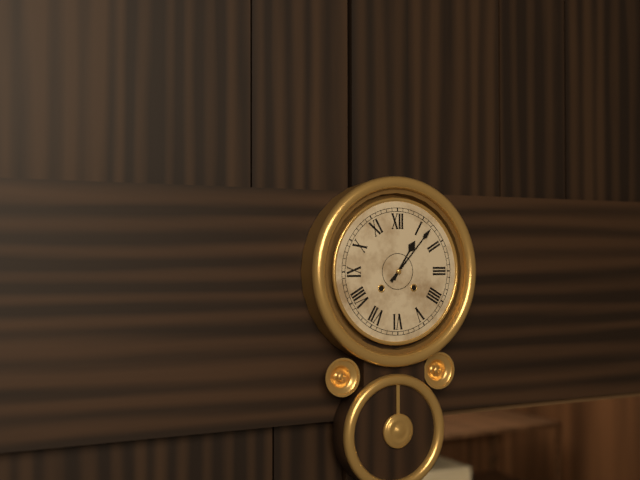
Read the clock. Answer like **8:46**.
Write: **1:07**
